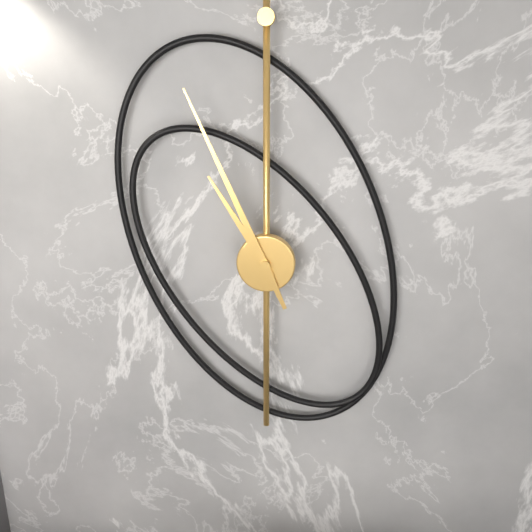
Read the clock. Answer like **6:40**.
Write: **10:56**
